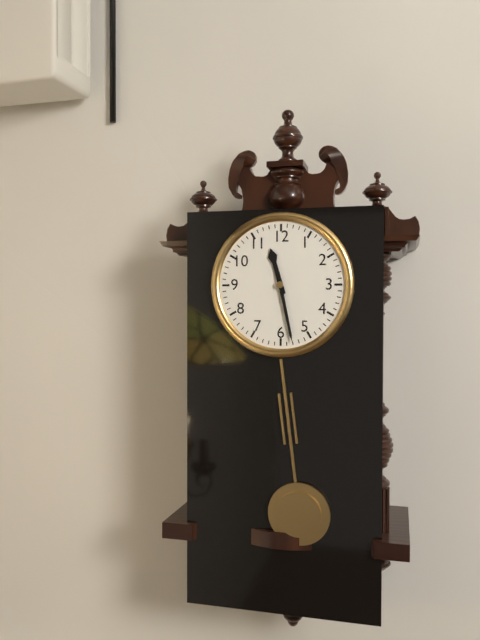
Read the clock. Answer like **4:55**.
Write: **11:28**
